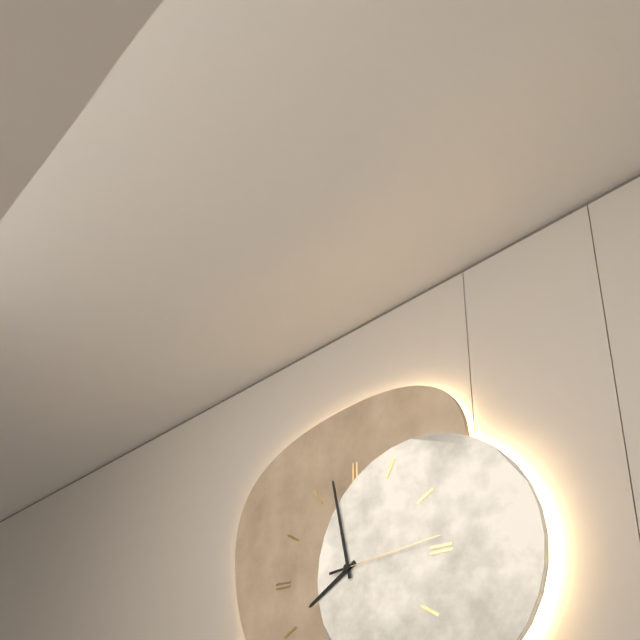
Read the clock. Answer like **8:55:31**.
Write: **7:58:14**
